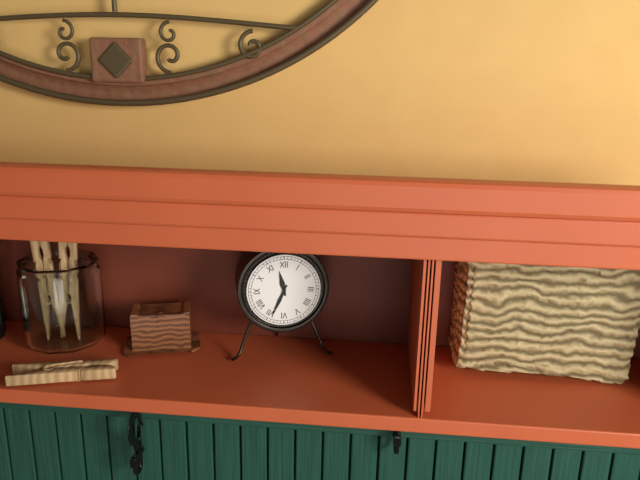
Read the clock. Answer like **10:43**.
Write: **11:34**
